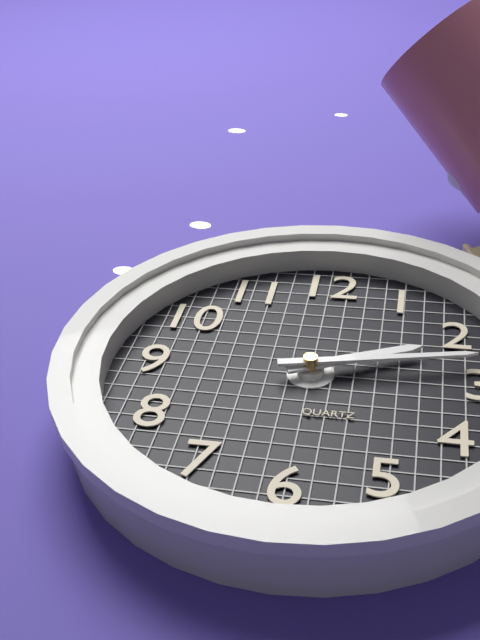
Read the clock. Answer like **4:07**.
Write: **2:13**
